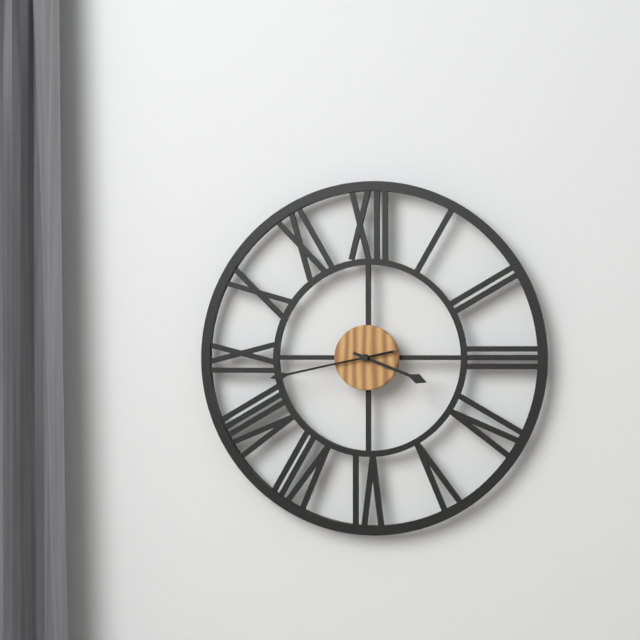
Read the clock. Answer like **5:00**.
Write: **3:43**
